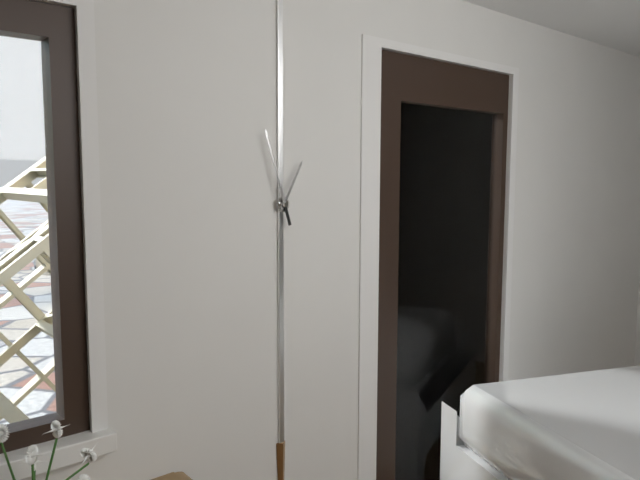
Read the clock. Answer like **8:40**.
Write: **12:57**
